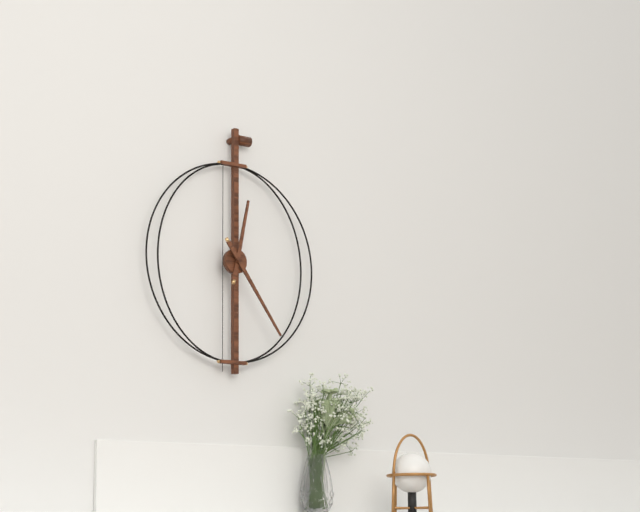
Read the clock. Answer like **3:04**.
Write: **12:24**
